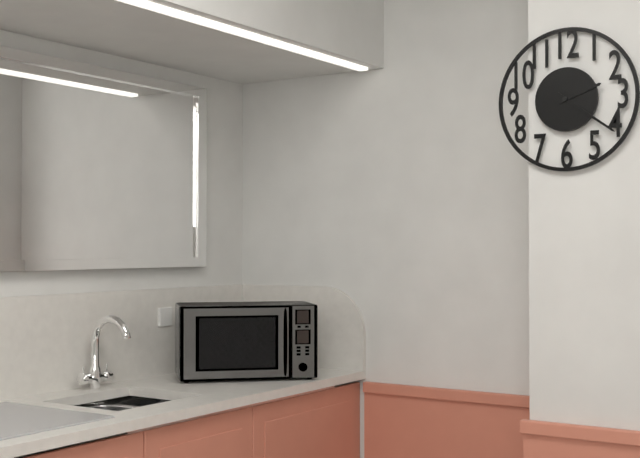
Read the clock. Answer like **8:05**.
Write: **2:21**
